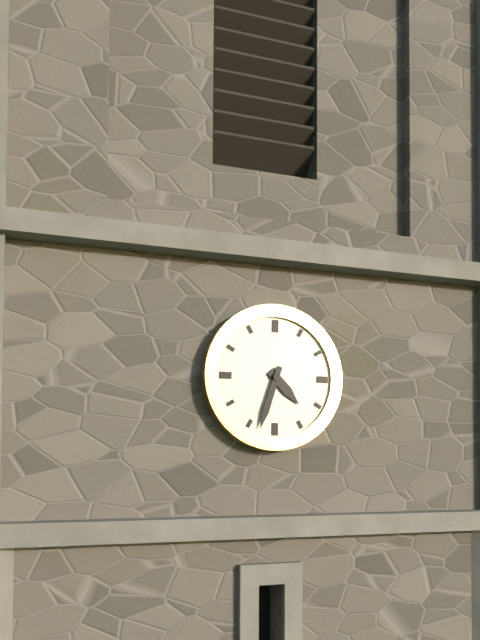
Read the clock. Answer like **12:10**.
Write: **4:33**
